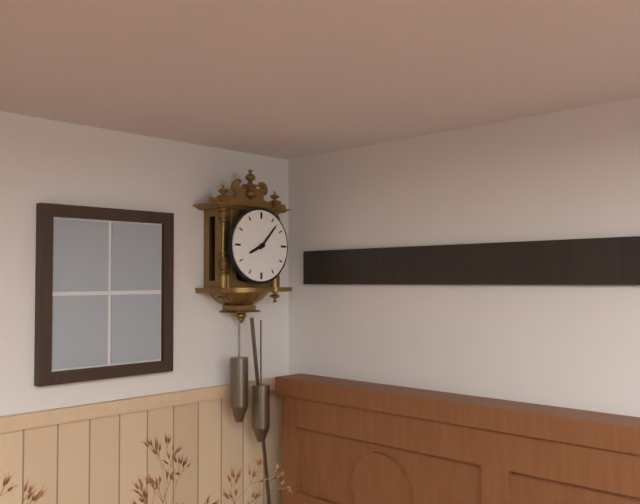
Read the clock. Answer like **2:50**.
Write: **8:07**
